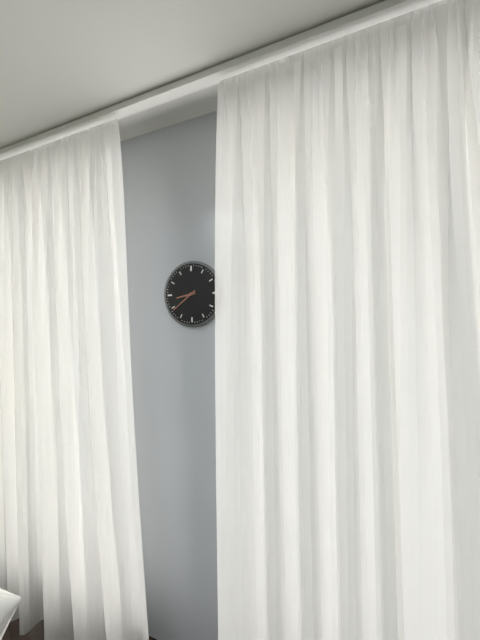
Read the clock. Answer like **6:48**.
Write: **8:39**
